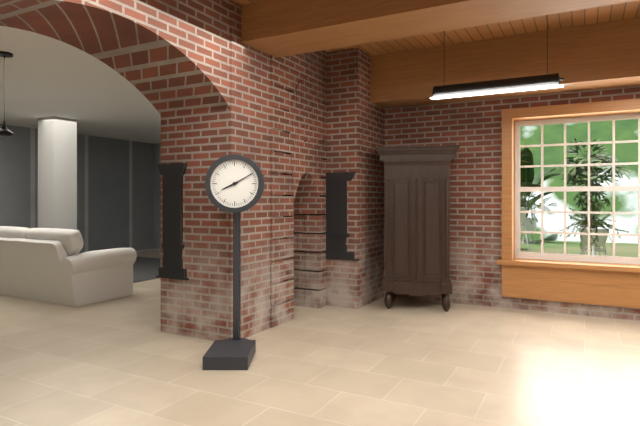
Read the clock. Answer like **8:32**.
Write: **8:10**
